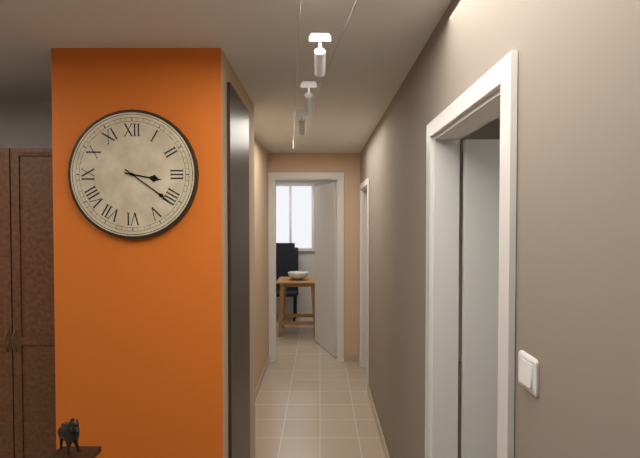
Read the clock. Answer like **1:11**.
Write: **3:21**
